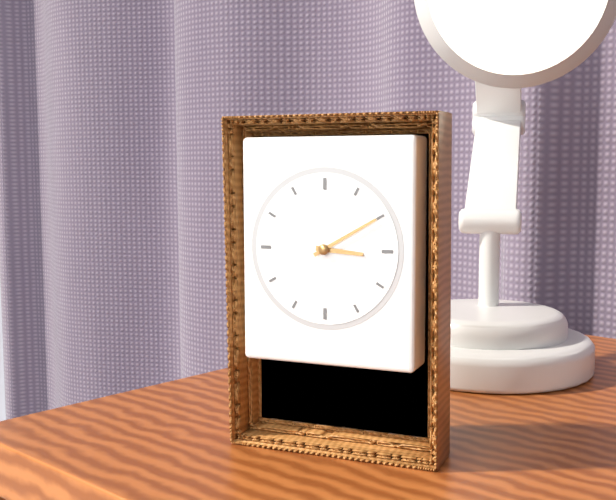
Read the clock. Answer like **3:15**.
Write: **3:10**
